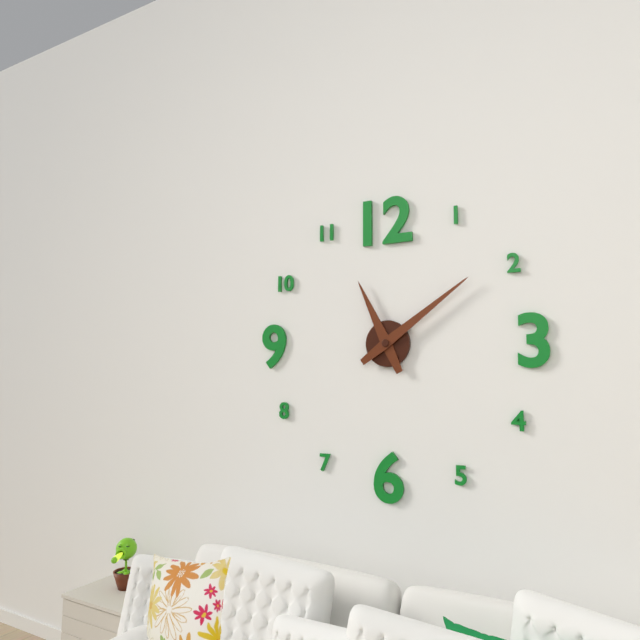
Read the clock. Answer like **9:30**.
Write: **11:09**
